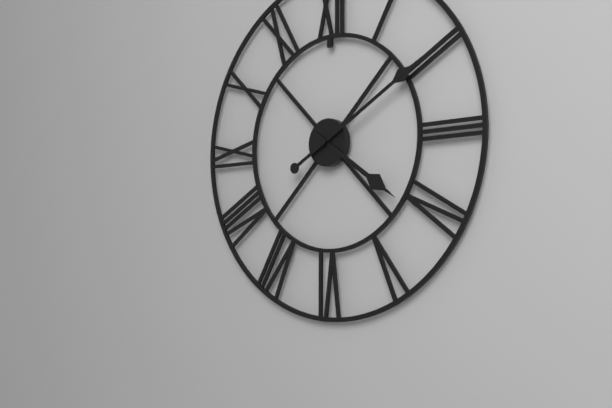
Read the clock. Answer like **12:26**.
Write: **4:10**
